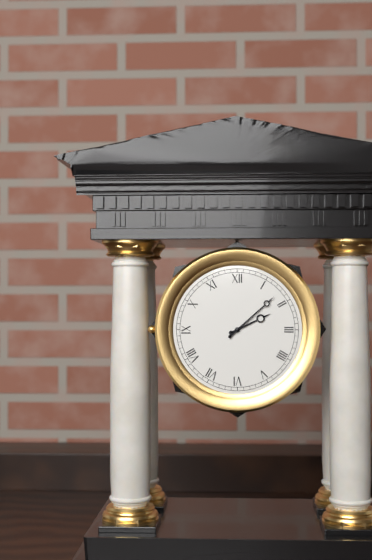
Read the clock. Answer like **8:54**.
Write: **2:08**
